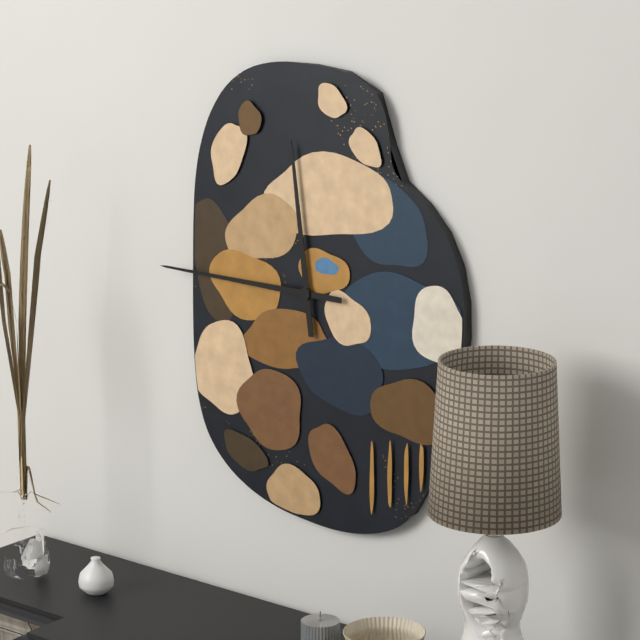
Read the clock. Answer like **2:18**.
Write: **11:45**
